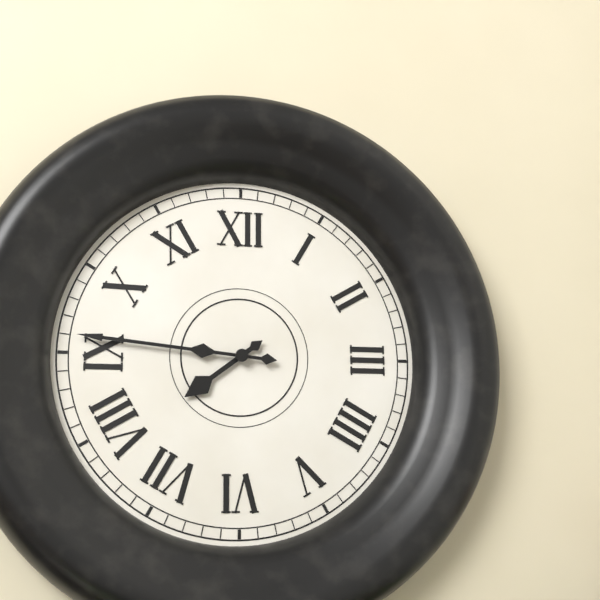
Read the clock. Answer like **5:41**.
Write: **7:46**
